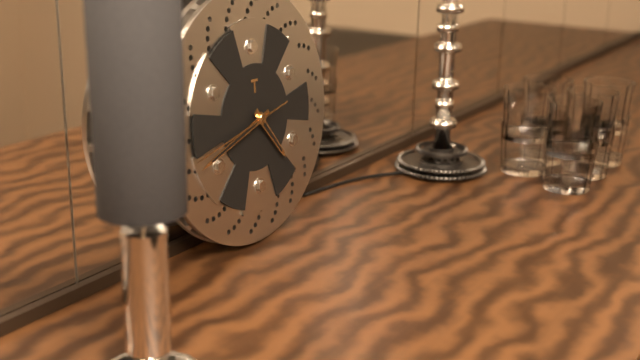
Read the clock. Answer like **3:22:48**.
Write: **4:42:43**
